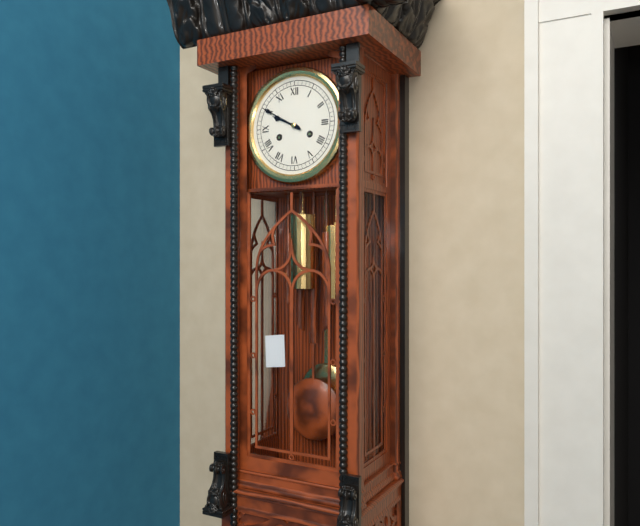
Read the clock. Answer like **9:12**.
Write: **9:50**
